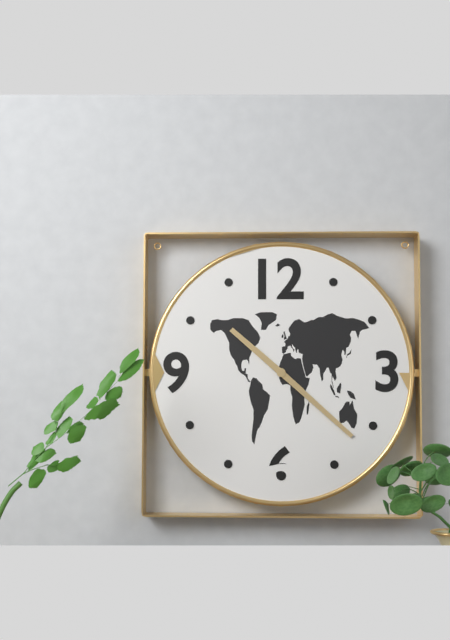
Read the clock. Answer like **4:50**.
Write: **10:22**
